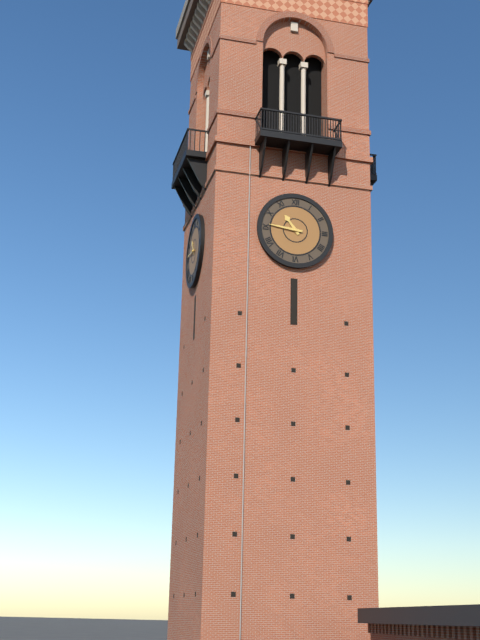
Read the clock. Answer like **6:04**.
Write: **10:46**
